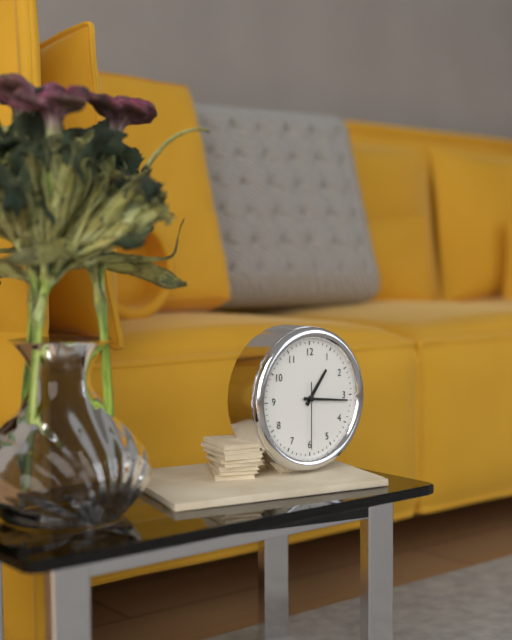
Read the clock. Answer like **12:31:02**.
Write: **1:16:30**
